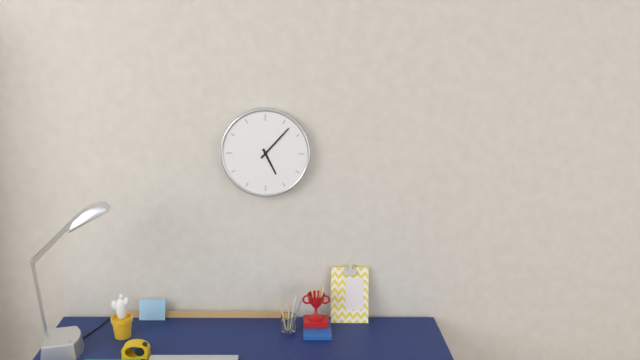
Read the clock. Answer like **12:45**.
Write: **5:07**
